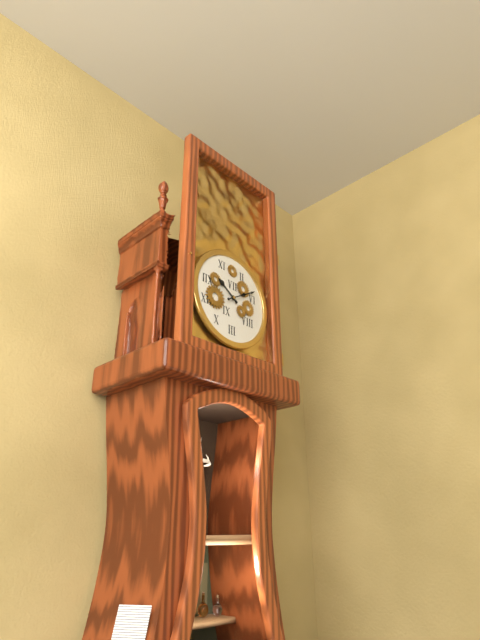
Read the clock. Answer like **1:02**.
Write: **10:10**
